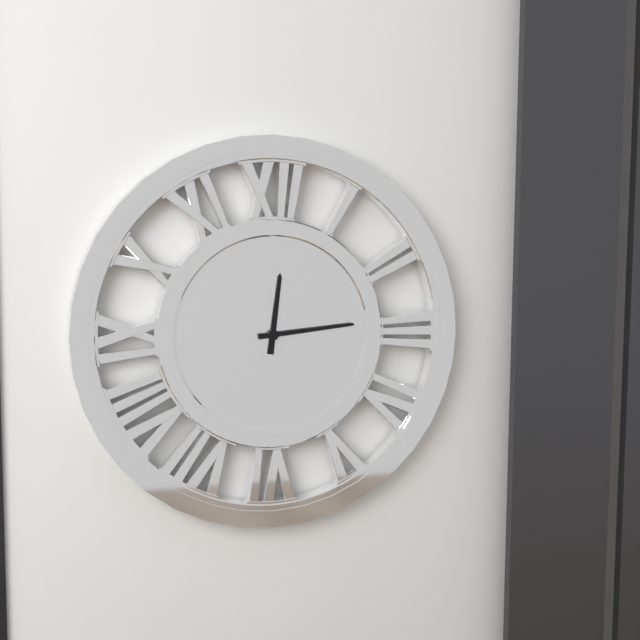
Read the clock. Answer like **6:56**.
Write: **12:14**
